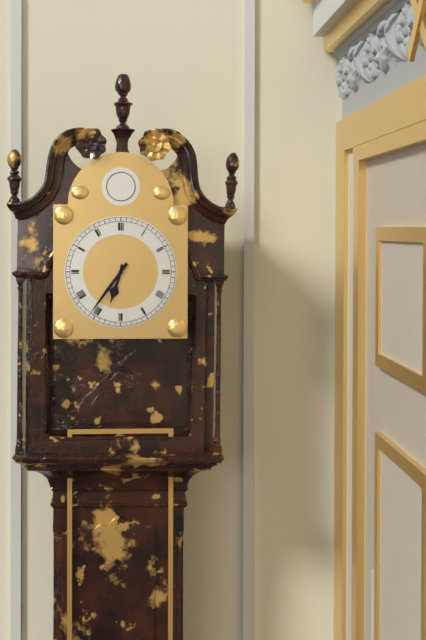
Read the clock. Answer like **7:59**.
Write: **6:36**
